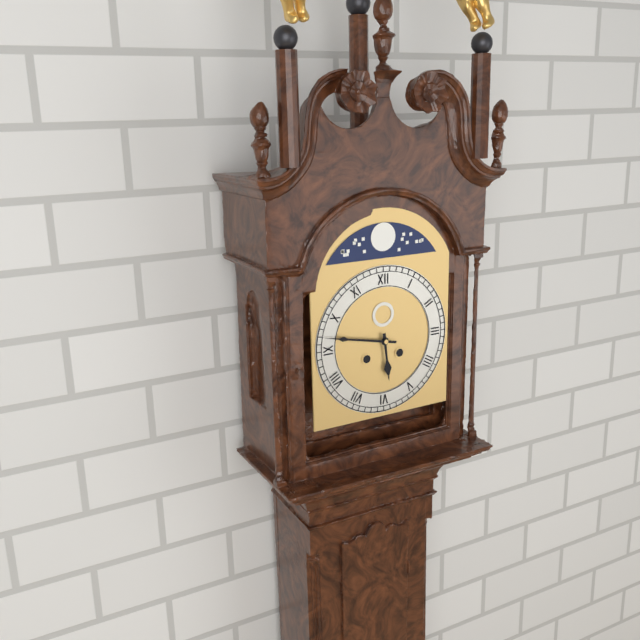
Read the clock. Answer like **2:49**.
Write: **5:47**
